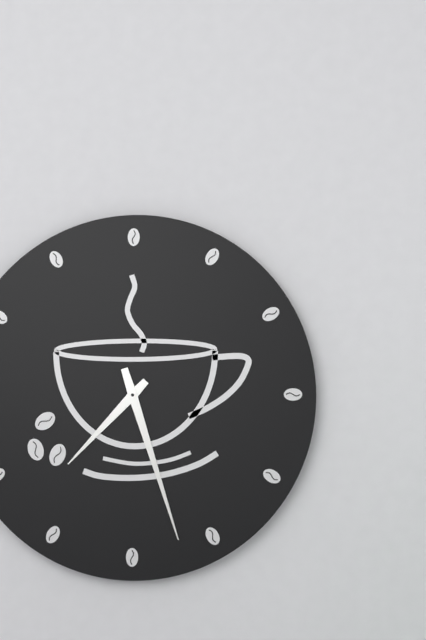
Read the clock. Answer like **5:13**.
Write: **7:27**
